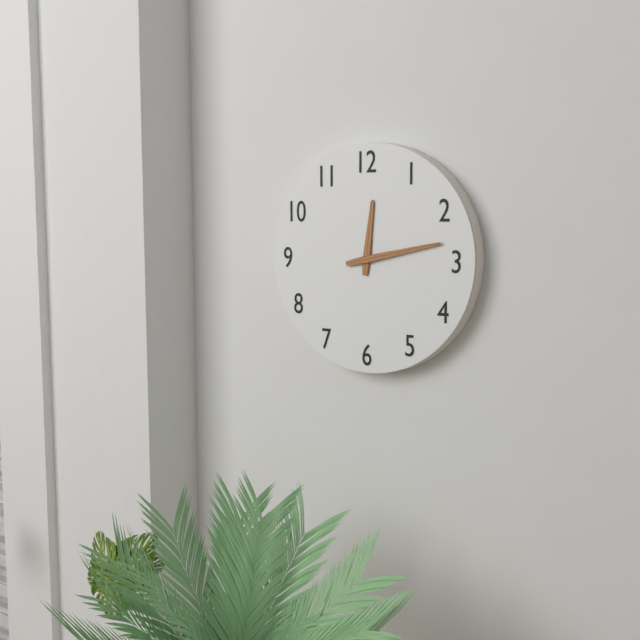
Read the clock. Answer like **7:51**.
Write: **12:13**
